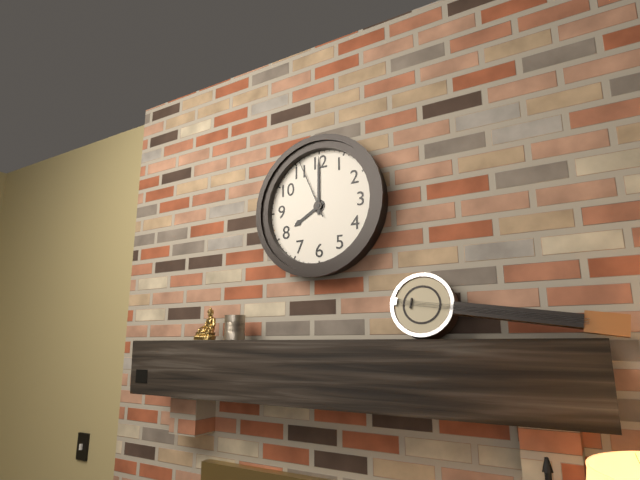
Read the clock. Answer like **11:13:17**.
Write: **8:00:56**
